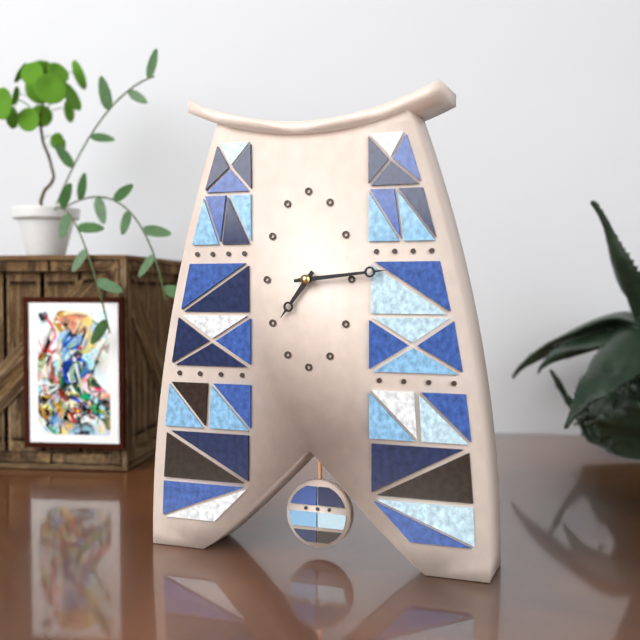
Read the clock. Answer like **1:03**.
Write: **7:14**
